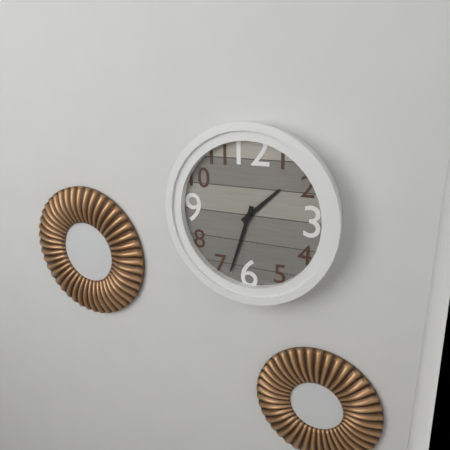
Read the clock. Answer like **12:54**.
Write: **1:33**
